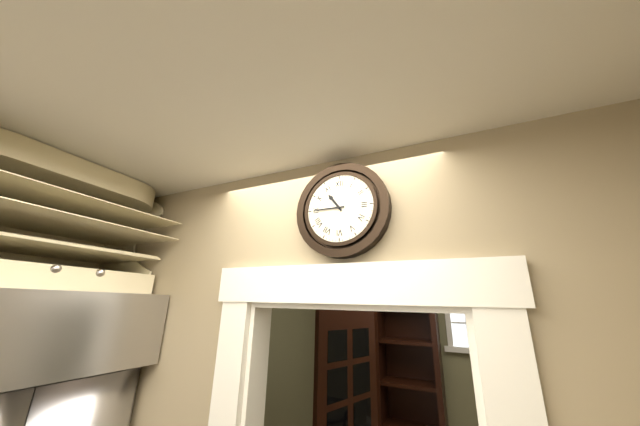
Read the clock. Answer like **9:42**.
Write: **10:45**
